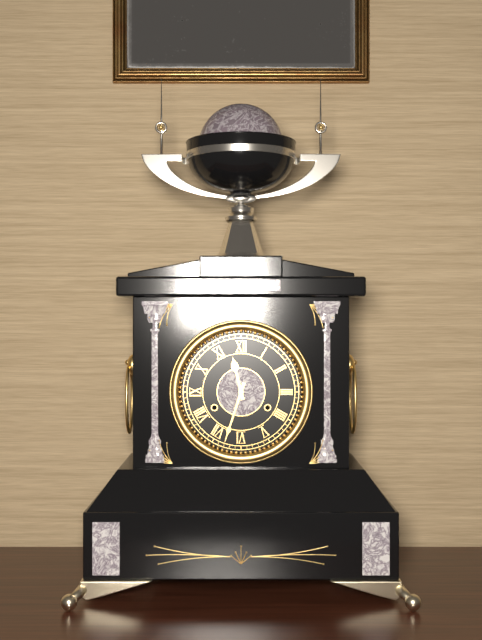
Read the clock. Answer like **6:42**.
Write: **11:33**
